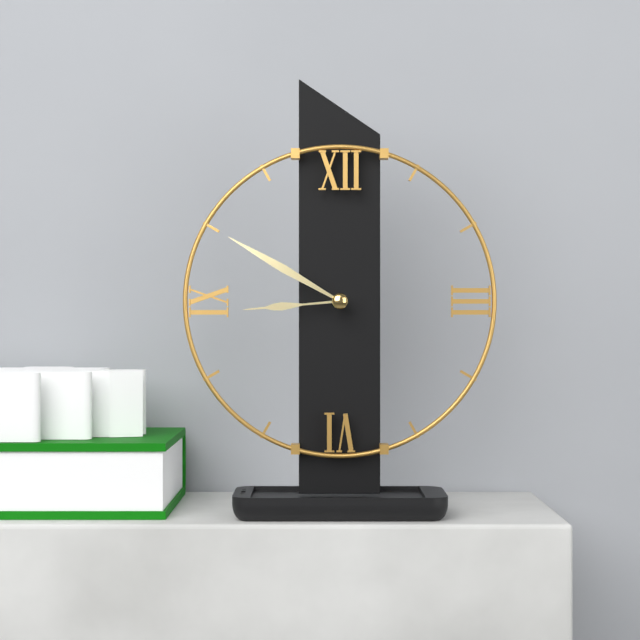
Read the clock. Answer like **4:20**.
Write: **8:50**
